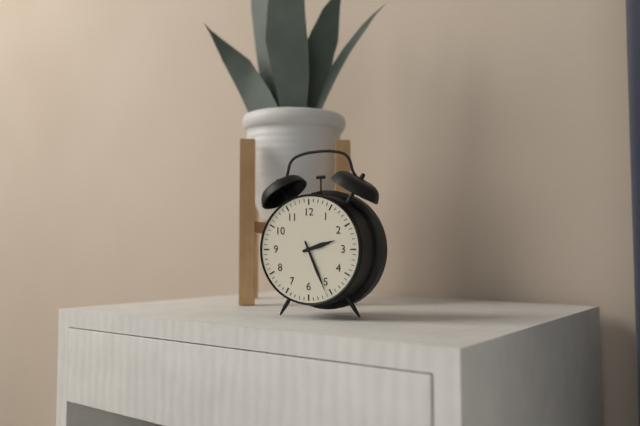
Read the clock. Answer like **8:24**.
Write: **2:26**
